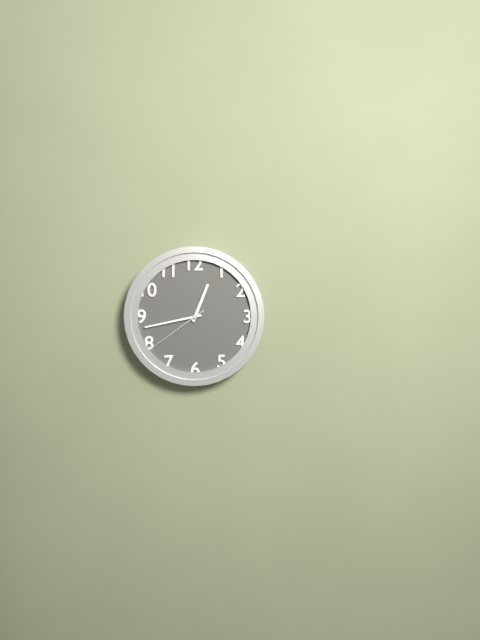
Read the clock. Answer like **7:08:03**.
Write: **12:43:39**
